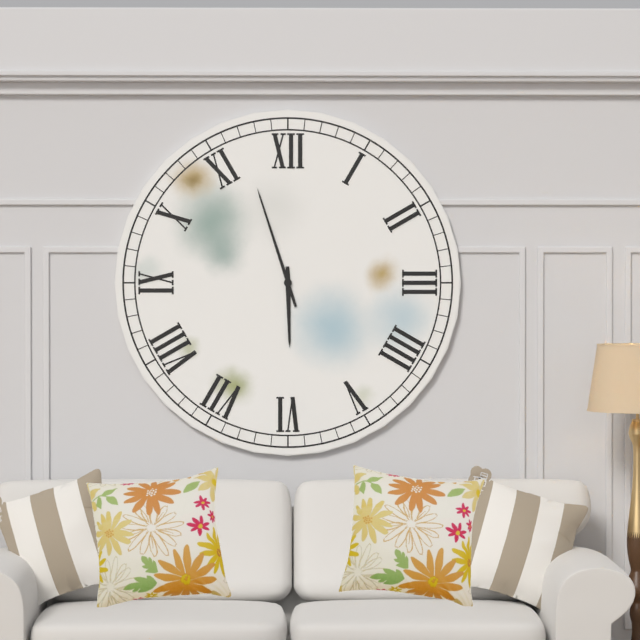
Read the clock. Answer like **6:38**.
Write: **5:57**
